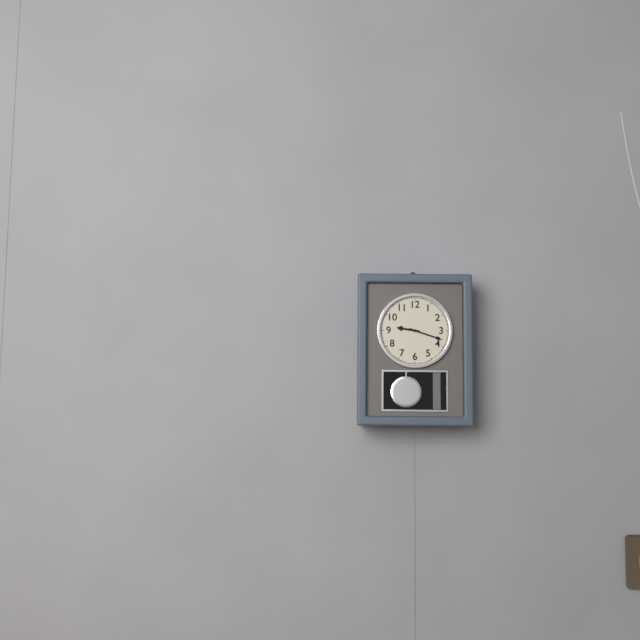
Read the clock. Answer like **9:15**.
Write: **9:18**
